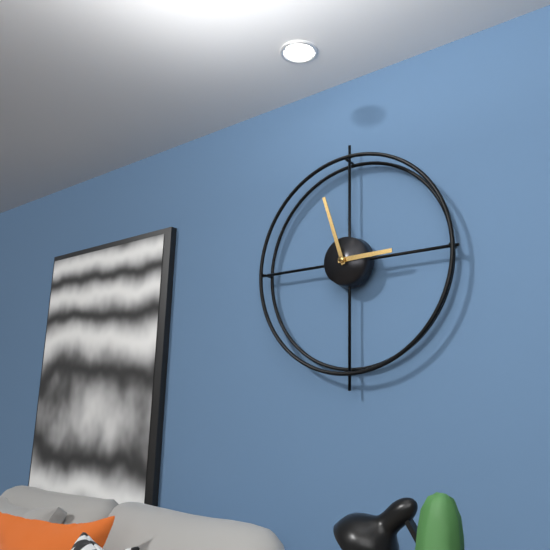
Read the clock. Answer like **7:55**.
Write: **2:57**
